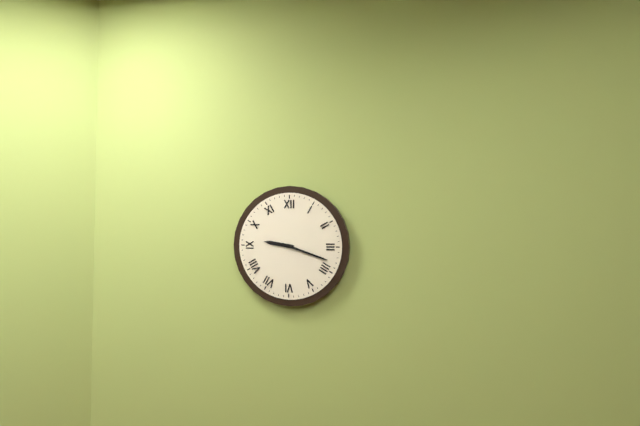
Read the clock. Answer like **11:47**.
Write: **9:18**
